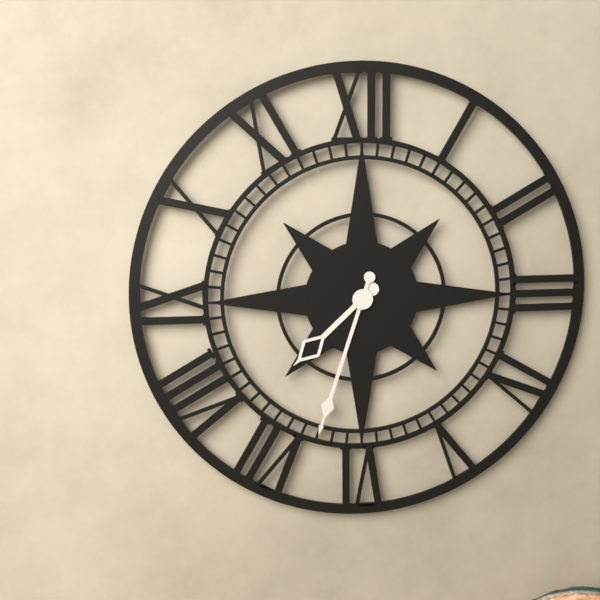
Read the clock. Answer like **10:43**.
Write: **7:33**
